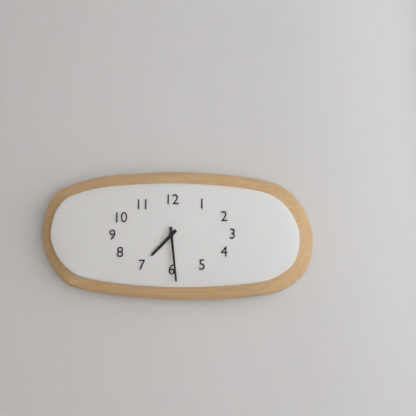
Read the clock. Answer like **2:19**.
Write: **7:29**
